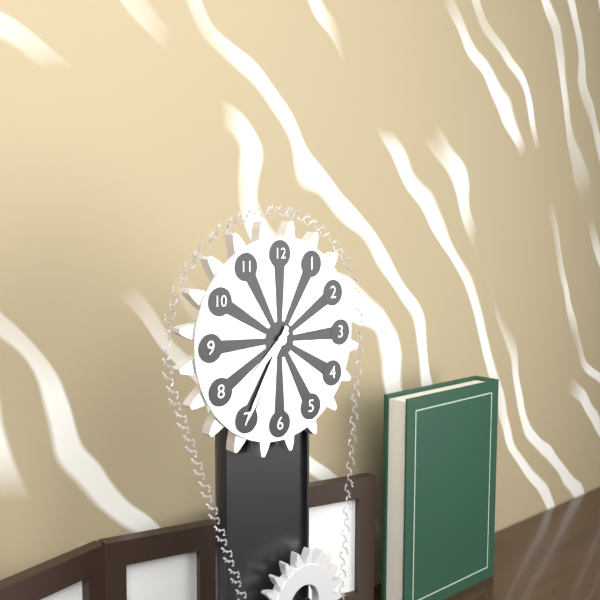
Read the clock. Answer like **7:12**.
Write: **7:35**
